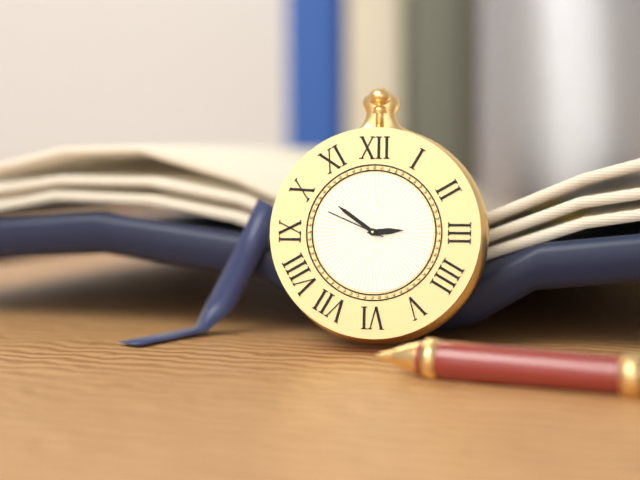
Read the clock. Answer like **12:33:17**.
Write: **2:51:49**
